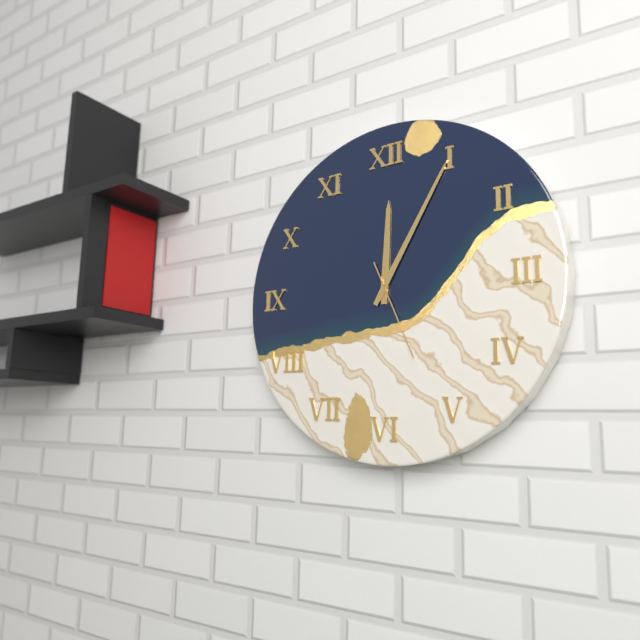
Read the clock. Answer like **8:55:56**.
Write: **12:05:26**
